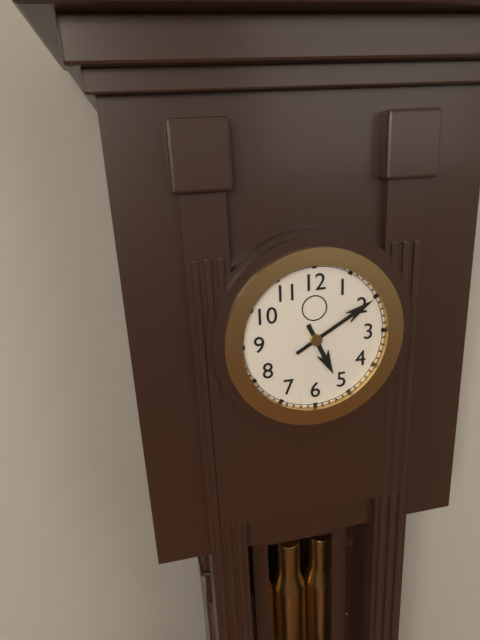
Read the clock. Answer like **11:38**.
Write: **5:10**
